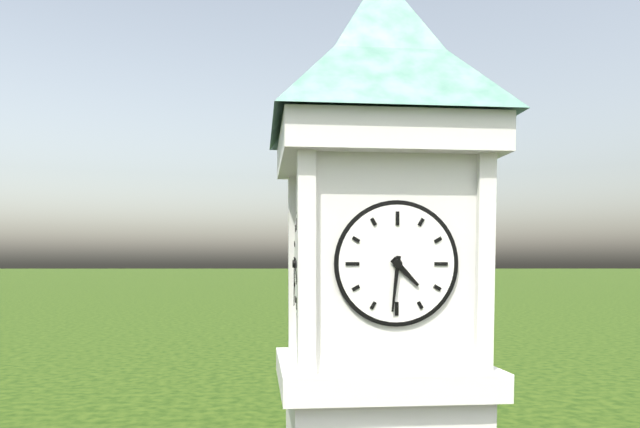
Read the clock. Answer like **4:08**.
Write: **4:31**
